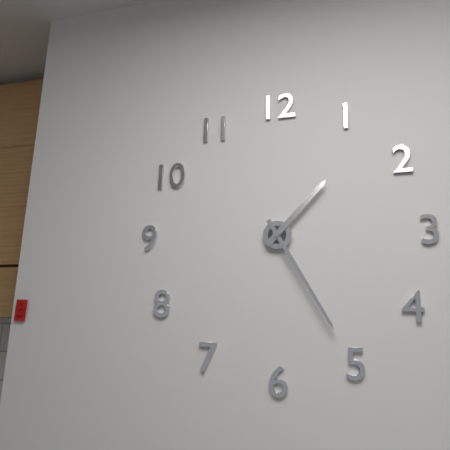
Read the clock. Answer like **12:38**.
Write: **1:25**
